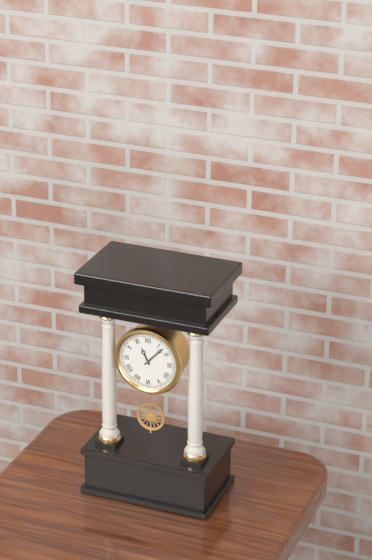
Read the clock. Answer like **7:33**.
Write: **11:07**
